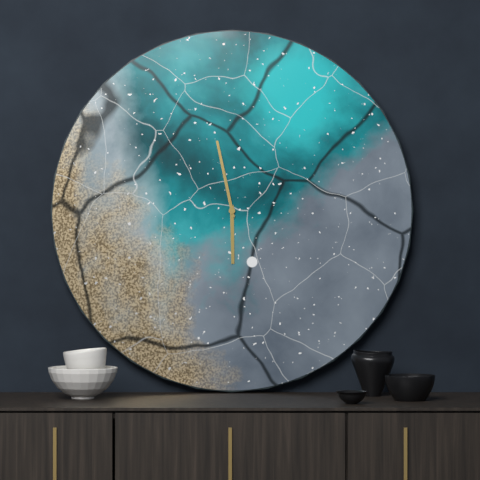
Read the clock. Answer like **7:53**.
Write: **5:58**
